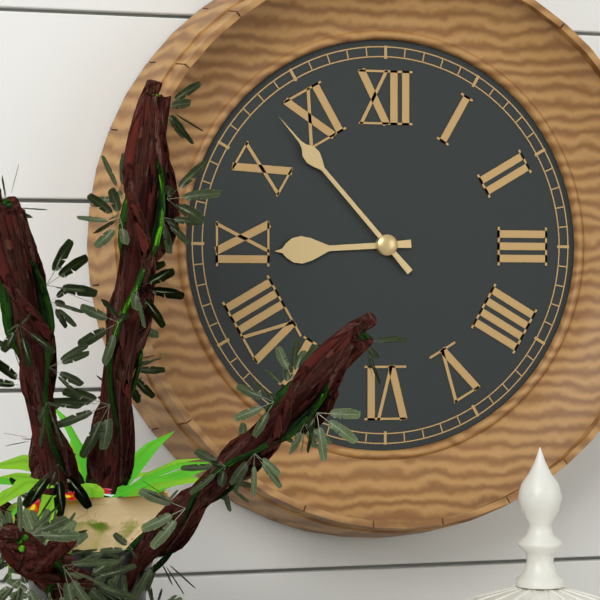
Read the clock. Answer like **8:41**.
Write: **8:53**
